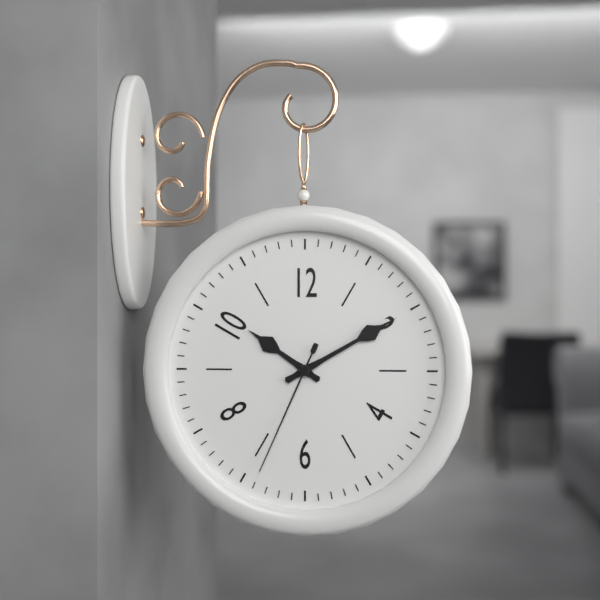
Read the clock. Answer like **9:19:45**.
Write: **10:10:34**
